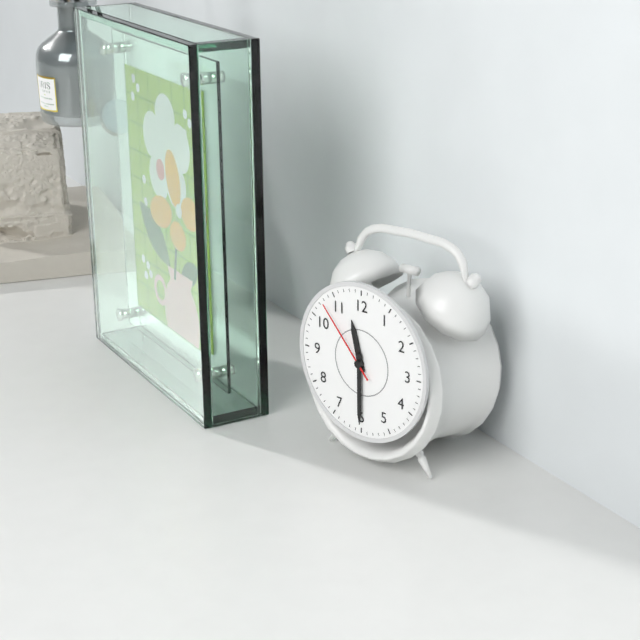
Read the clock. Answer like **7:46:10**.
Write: **11:30:53**
